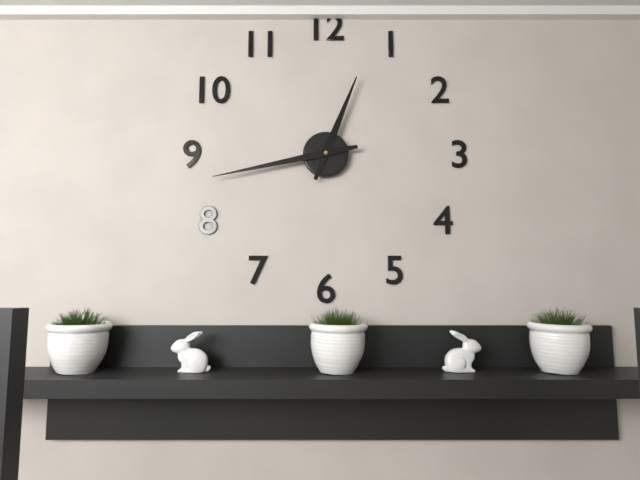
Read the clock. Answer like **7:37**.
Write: **12:43**
